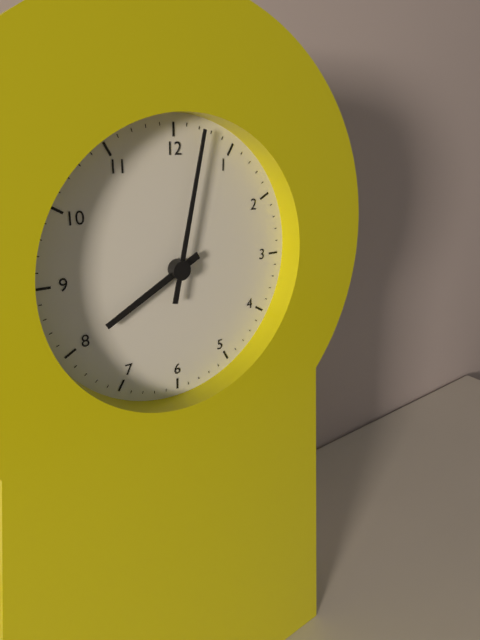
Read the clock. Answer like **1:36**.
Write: **8:02**
